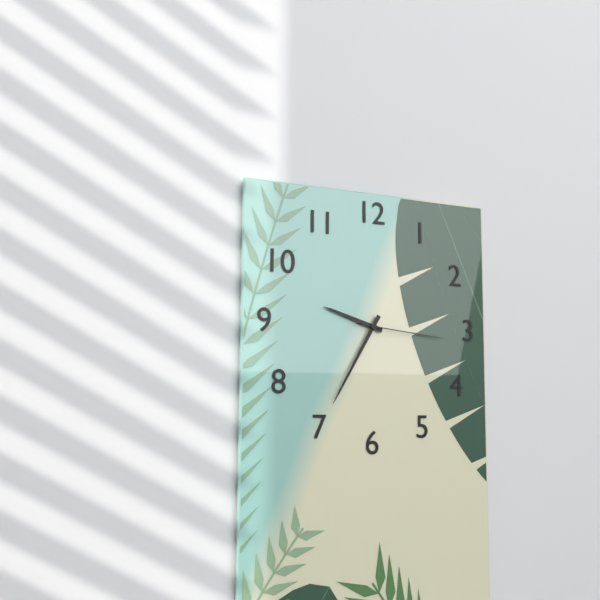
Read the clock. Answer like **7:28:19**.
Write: **9:35:16**
